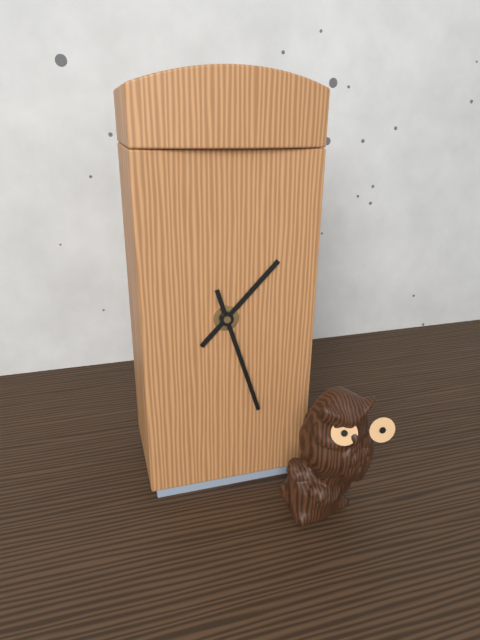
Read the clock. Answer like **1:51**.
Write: **1:27**
